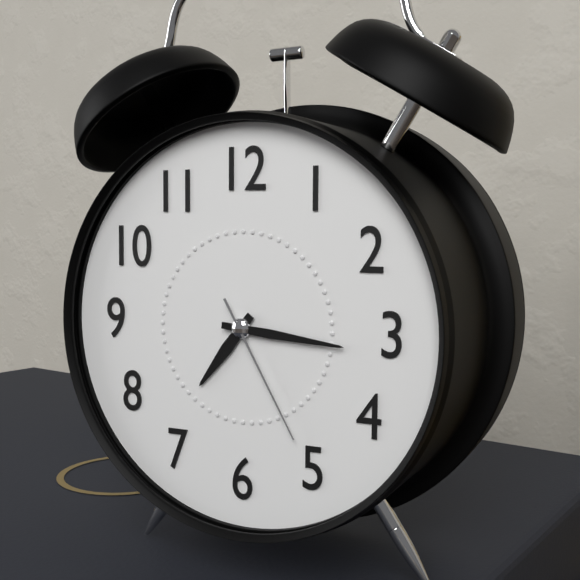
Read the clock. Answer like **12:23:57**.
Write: **7:16:25**
